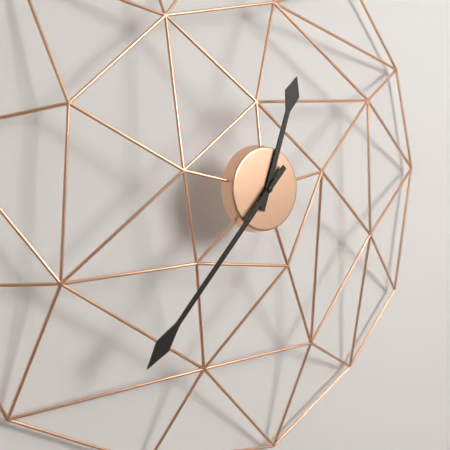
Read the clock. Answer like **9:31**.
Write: **12:37**
